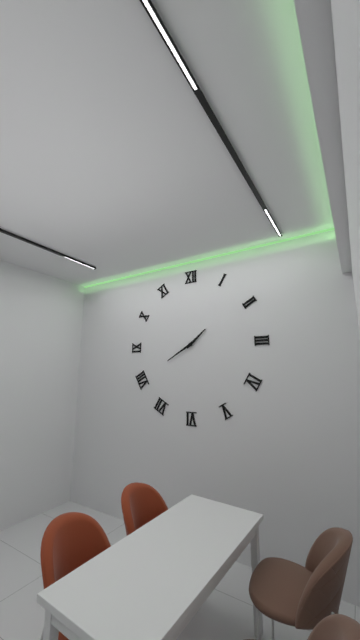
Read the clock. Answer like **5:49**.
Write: **1:40**
